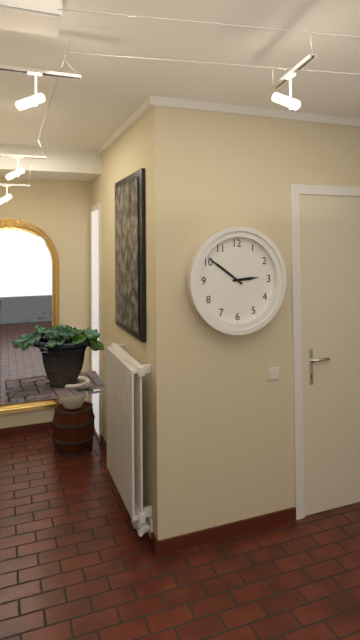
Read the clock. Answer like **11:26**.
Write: **2:51**
